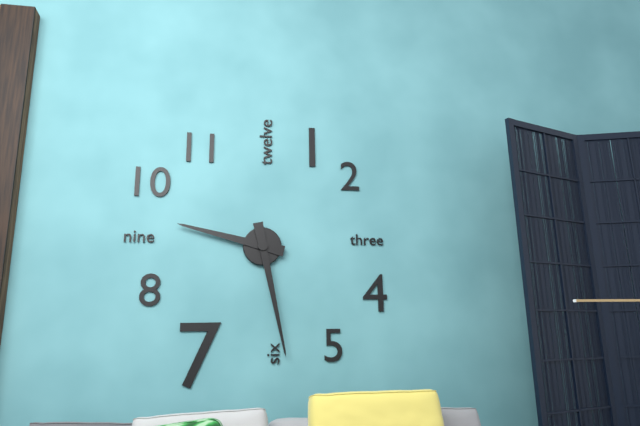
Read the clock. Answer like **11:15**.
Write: **9:28**
